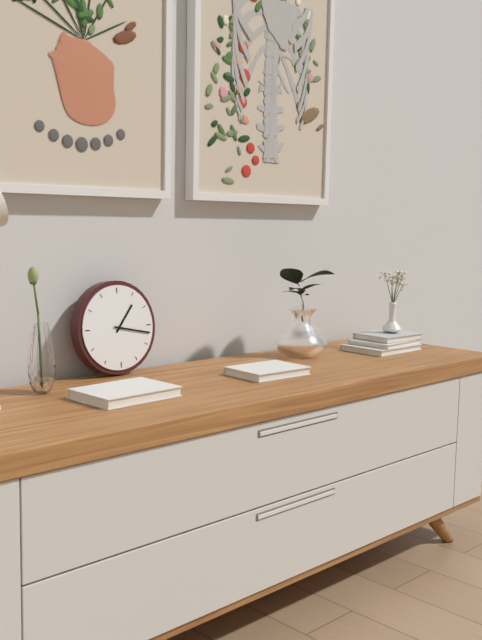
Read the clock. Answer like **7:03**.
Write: **1:17**
